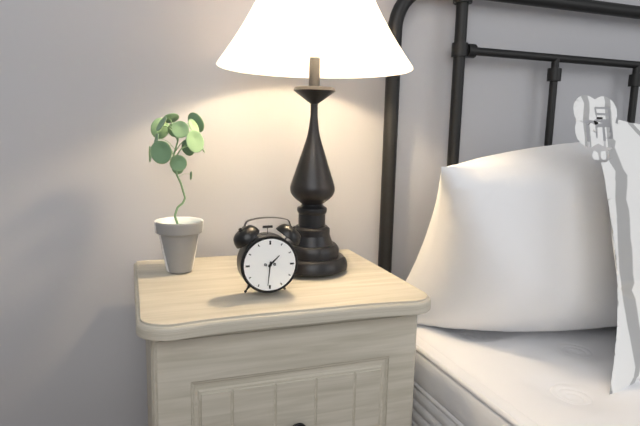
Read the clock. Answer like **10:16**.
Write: **1:31**
